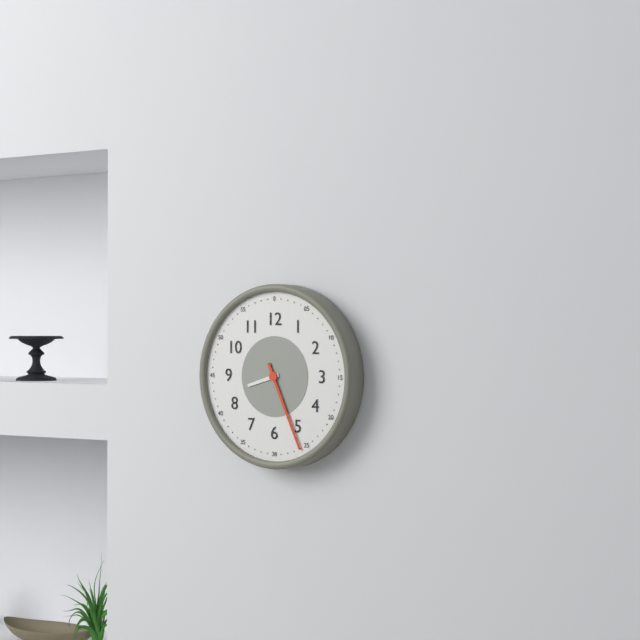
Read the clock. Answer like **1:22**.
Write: **8:26**
